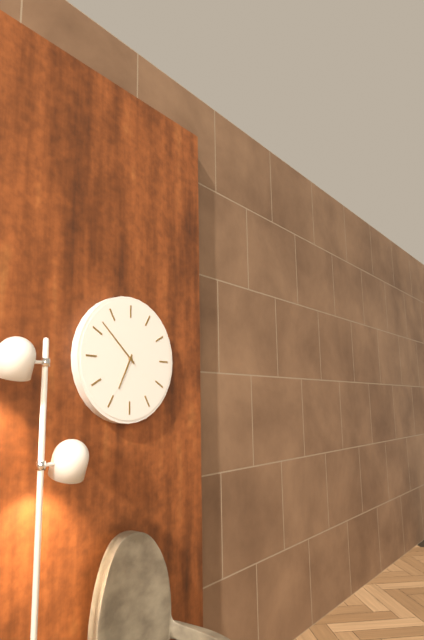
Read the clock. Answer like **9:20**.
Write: **6:52**
